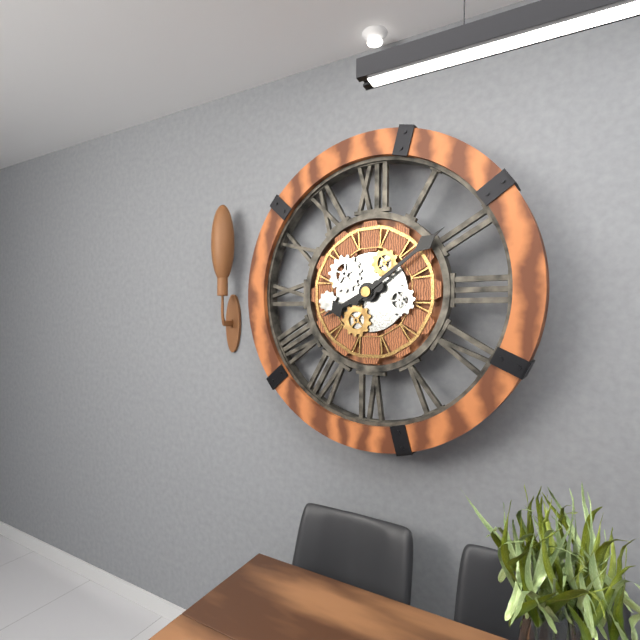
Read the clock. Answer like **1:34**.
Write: **8:09**
